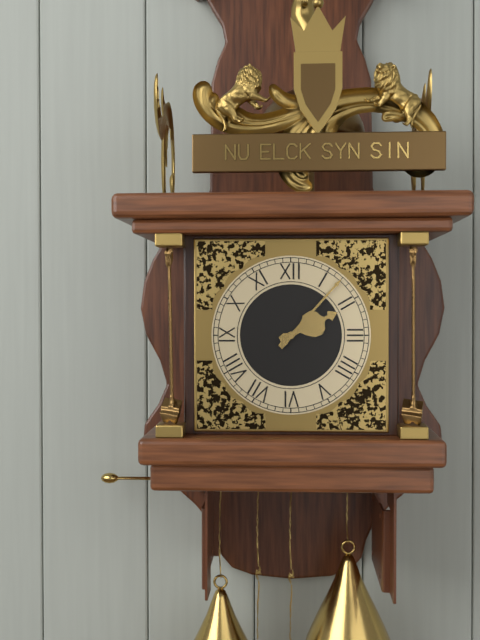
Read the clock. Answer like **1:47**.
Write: **2:07**
